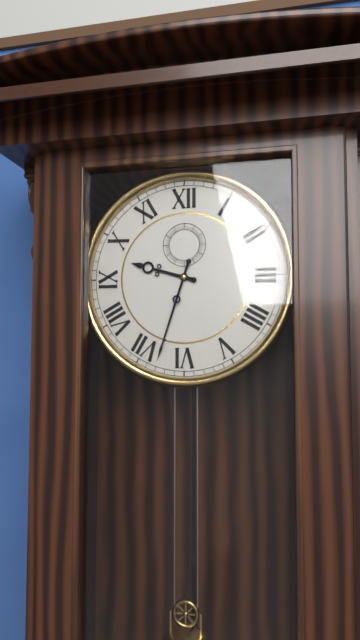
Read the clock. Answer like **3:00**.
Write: **9:33**
